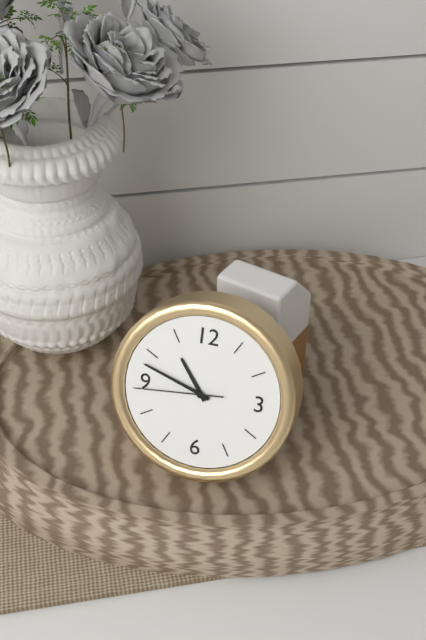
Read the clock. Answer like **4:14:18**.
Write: **10:48:44**
